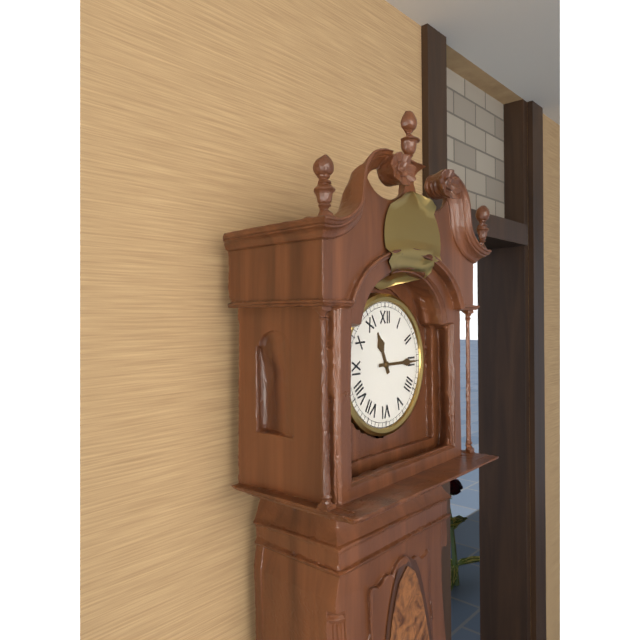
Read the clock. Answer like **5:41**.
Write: **11:15**
